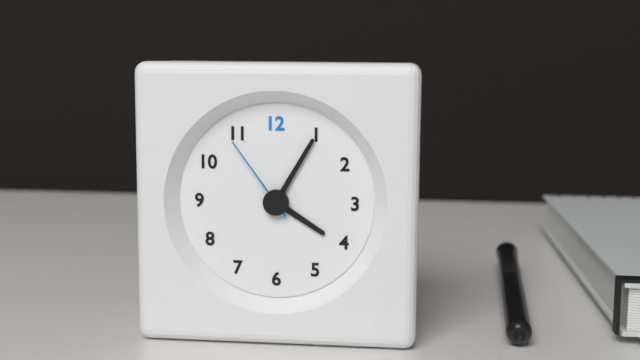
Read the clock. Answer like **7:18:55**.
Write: **4:05:54**
